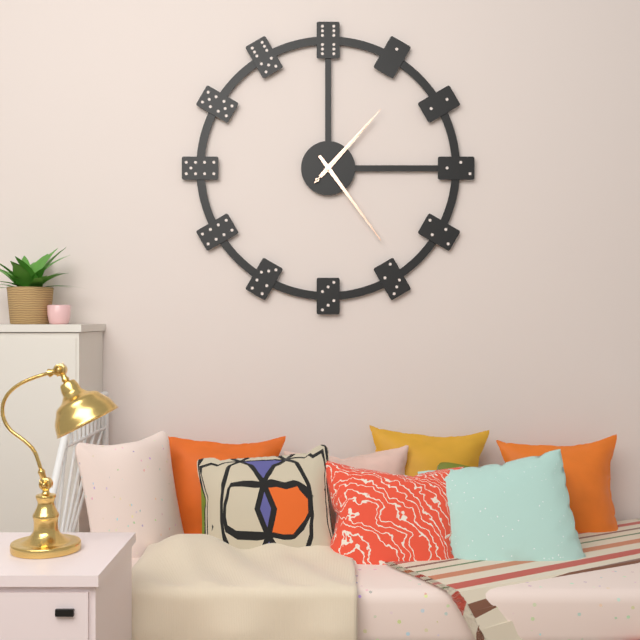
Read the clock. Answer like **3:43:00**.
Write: **1:24:07**
